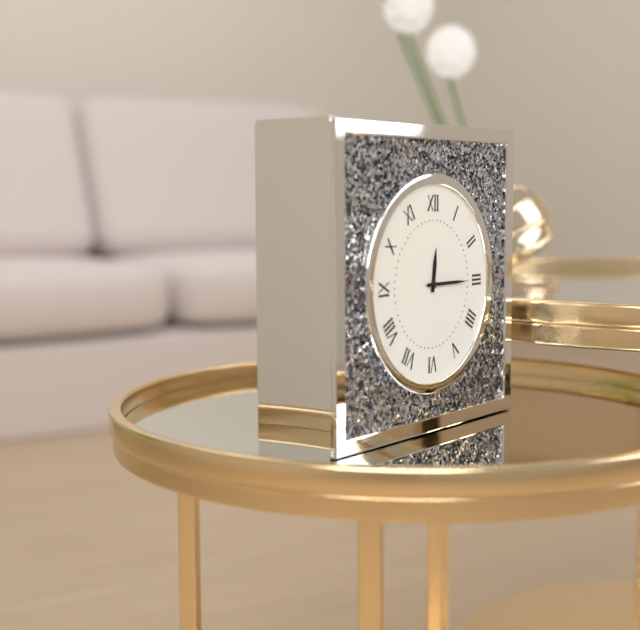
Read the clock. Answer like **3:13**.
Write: **12:15**
